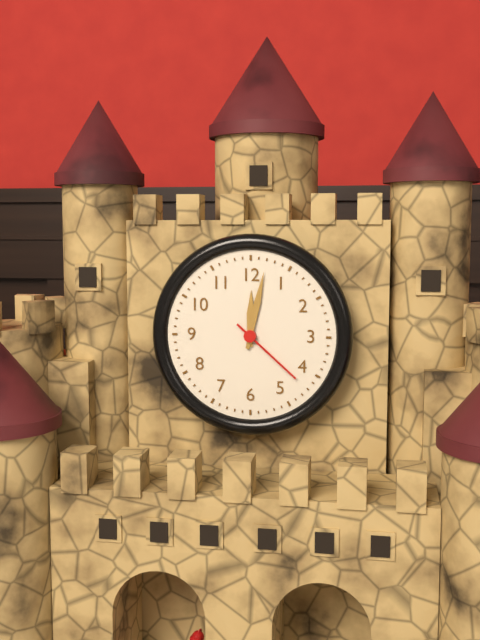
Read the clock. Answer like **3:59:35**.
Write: **12:02:22**
